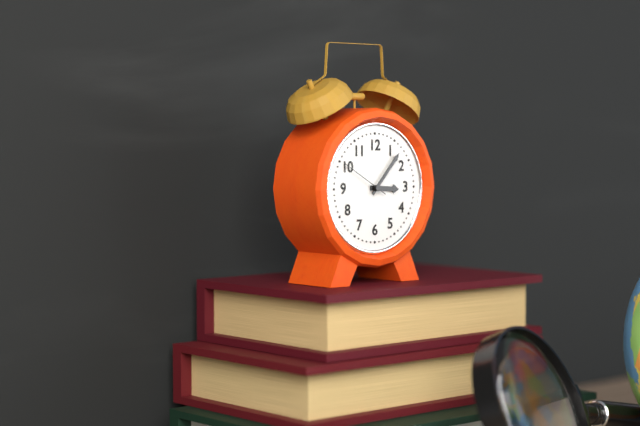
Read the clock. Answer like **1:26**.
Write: **3:07**
